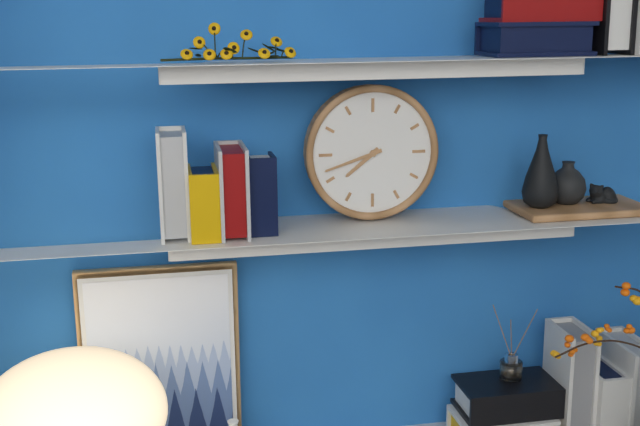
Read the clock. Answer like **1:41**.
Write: **7:42**
